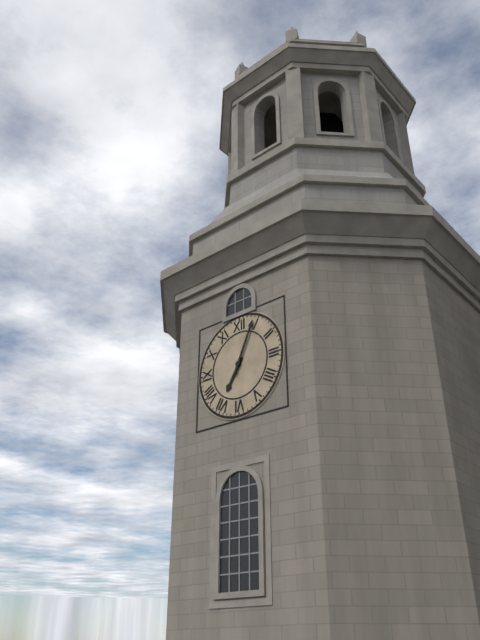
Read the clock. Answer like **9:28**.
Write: **7:04**
